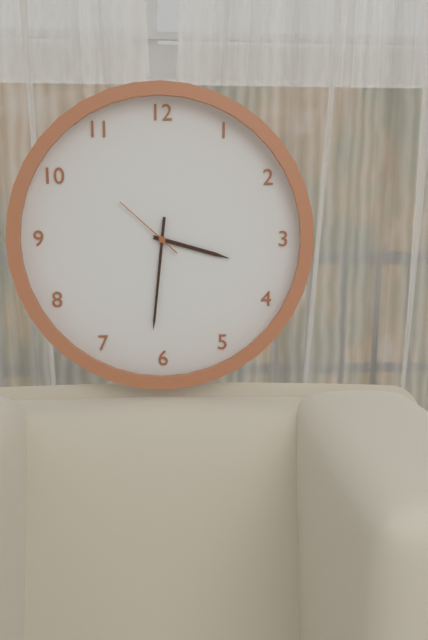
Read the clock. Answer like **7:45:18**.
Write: **3:31:52**
